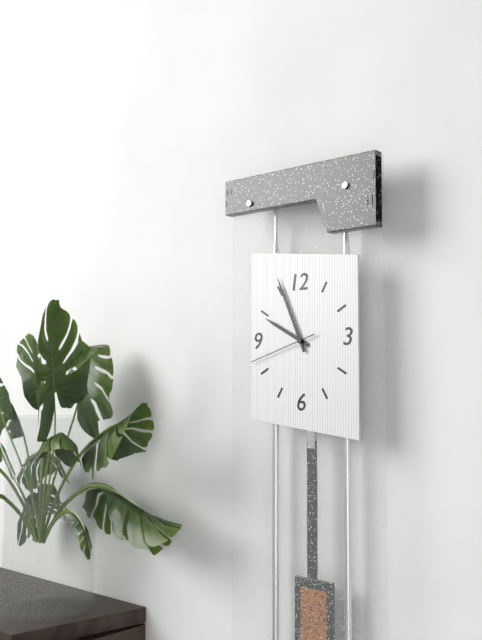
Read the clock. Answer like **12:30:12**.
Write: **9:56:42**
